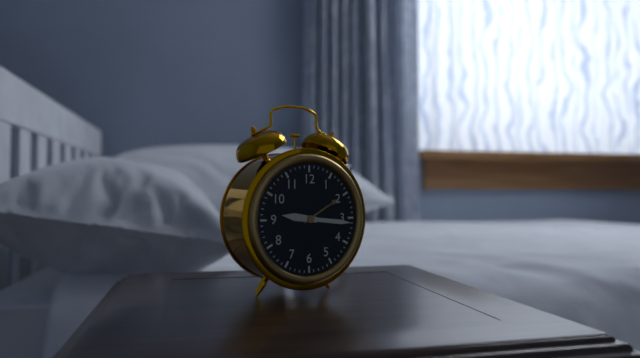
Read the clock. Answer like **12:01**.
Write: **9:16**
